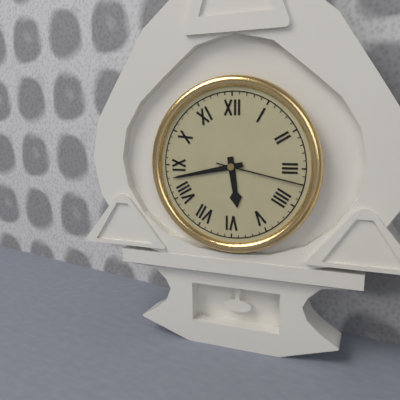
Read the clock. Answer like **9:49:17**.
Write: **5:43:17**
